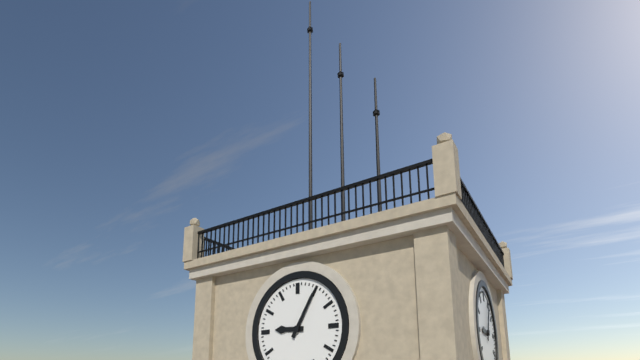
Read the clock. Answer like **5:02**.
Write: **9:05**
